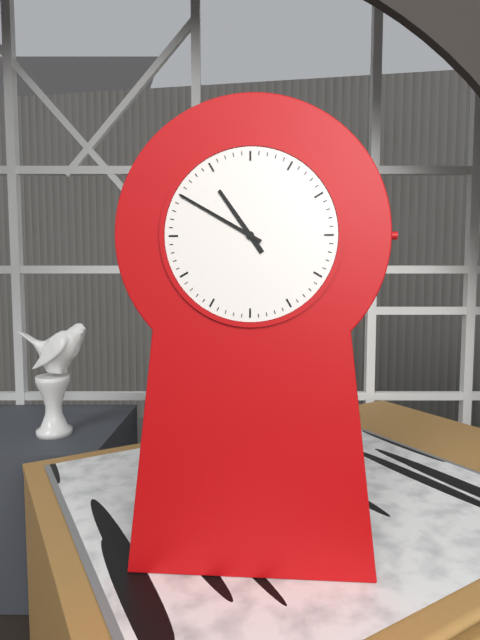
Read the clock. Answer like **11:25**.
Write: **10:50**
